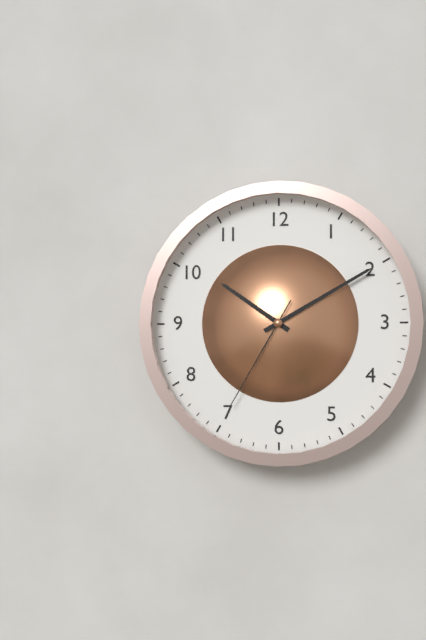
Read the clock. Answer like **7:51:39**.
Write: **10:10:35**
